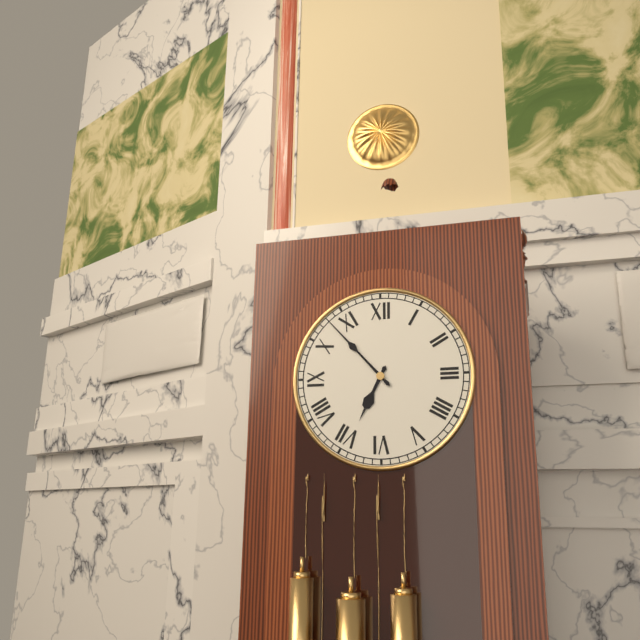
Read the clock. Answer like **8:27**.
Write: **6:53**
